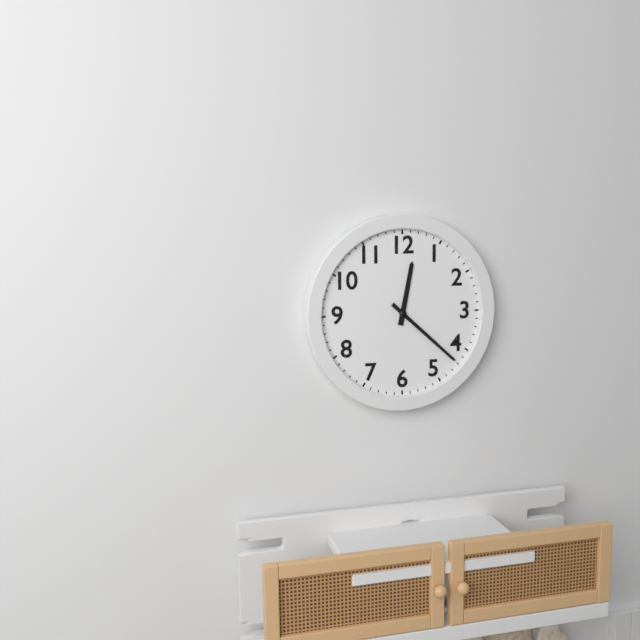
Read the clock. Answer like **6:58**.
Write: **12:22**
